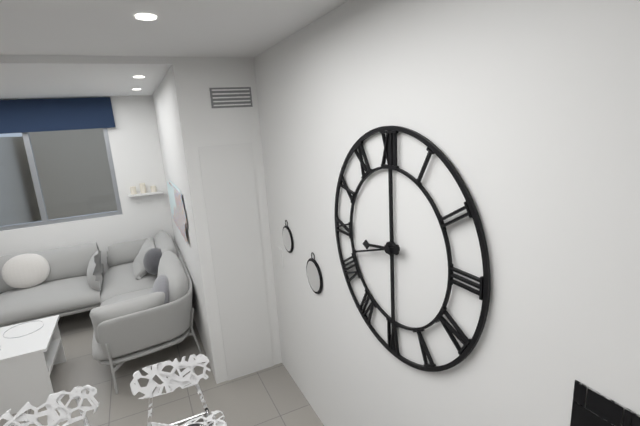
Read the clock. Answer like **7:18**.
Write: **8:42**
